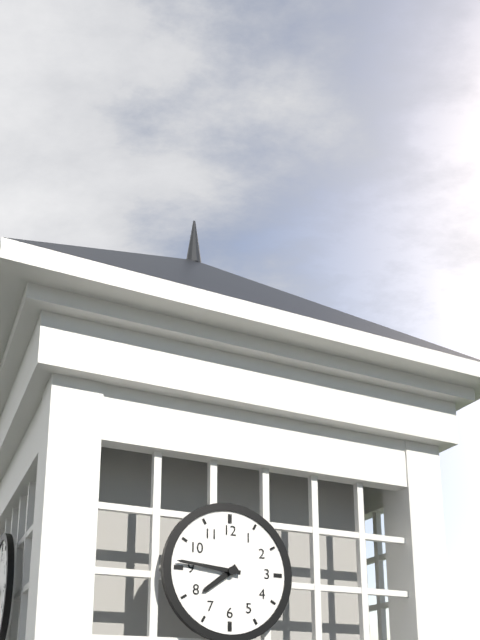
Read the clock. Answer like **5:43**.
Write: **7:46**
